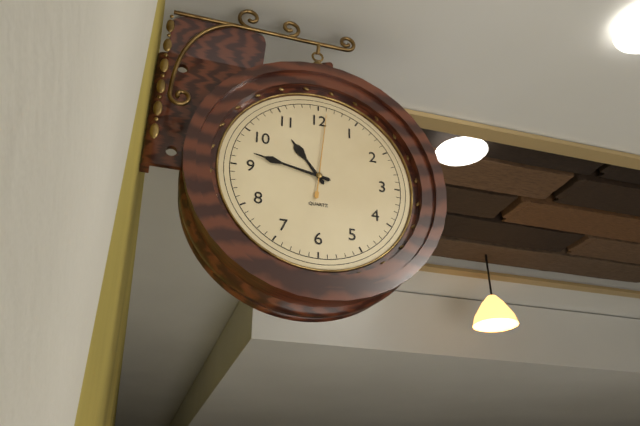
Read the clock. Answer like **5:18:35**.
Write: **10:47:01**
